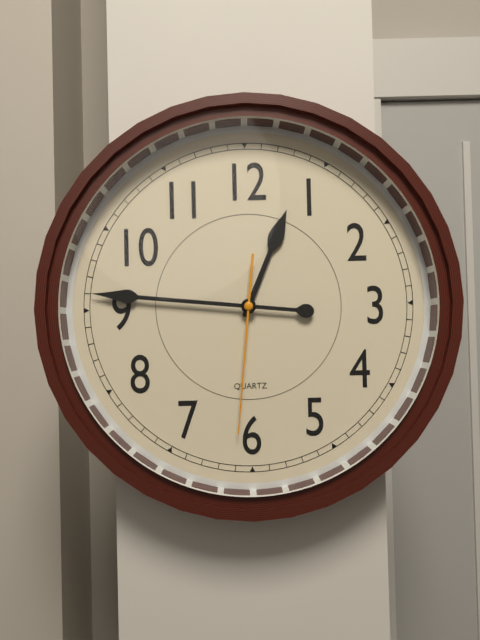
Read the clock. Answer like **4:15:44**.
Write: **12:46:31**
